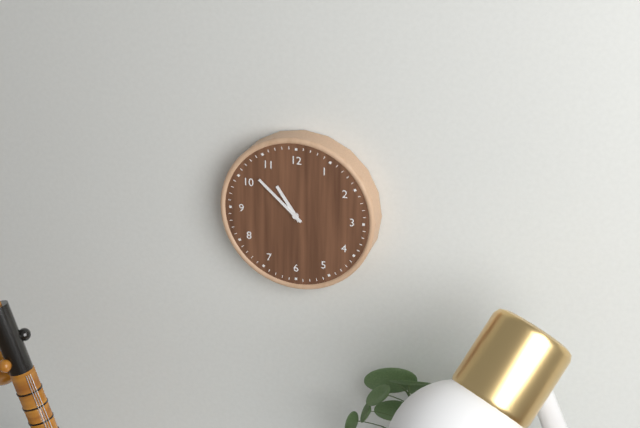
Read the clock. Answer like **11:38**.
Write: **10:52**
